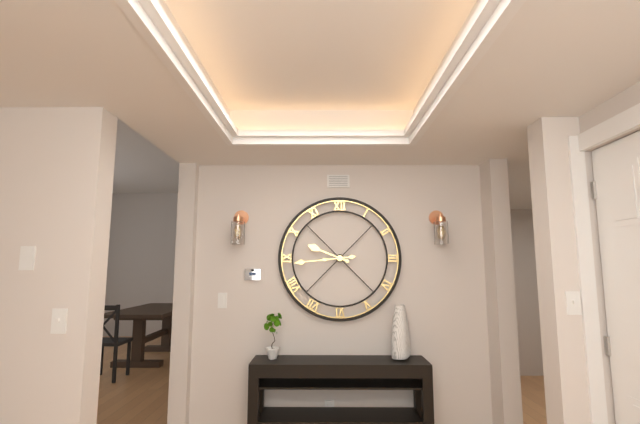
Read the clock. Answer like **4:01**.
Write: **9:44**
